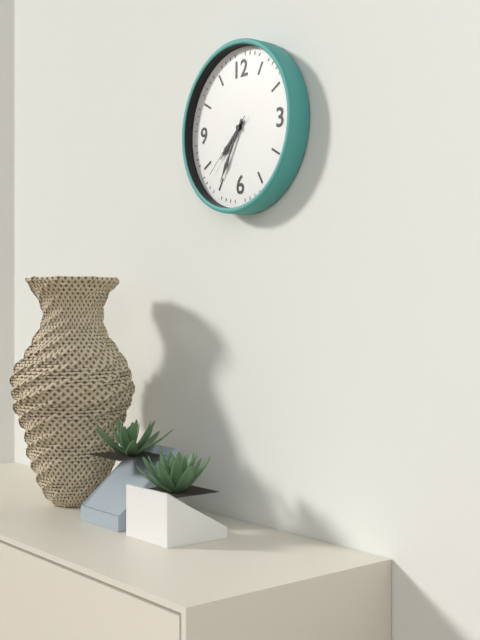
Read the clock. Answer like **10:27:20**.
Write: **7:35:38**
